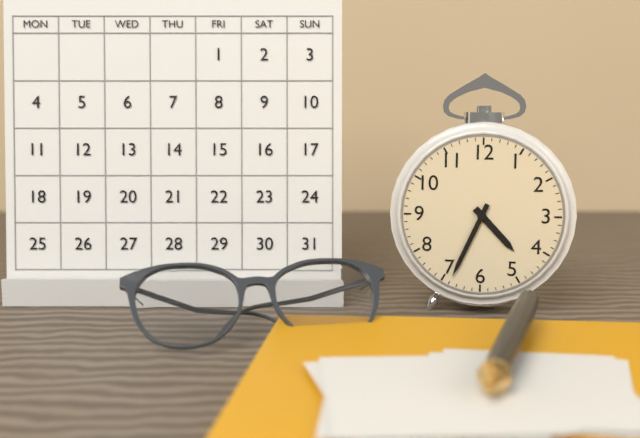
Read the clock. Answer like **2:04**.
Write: **4:34**
